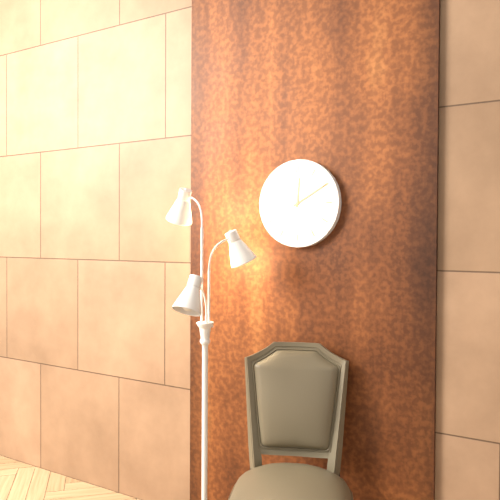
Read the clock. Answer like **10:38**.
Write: **12:10**
